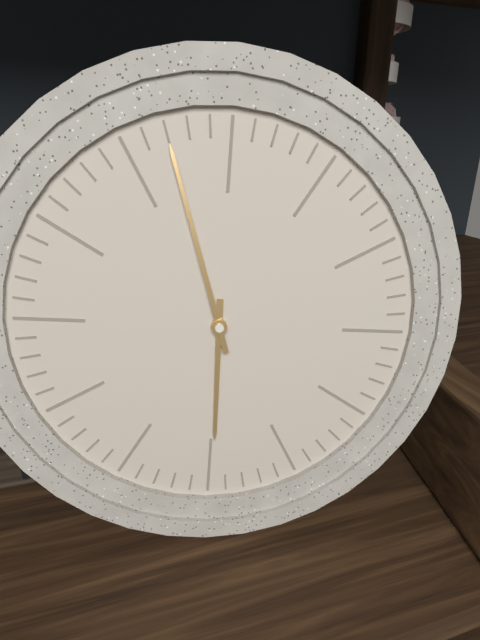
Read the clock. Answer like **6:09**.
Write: **5:57**
